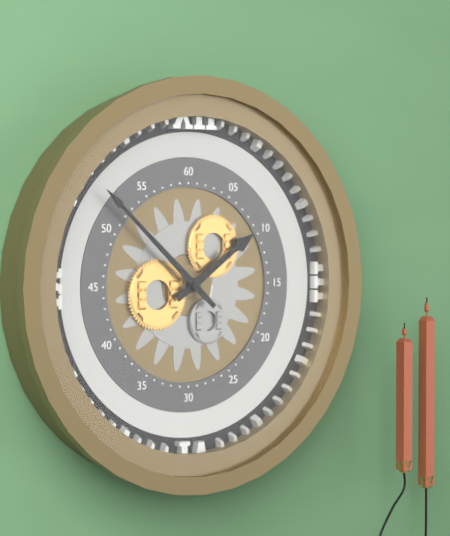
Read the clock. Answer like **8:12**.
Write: **1:52**
